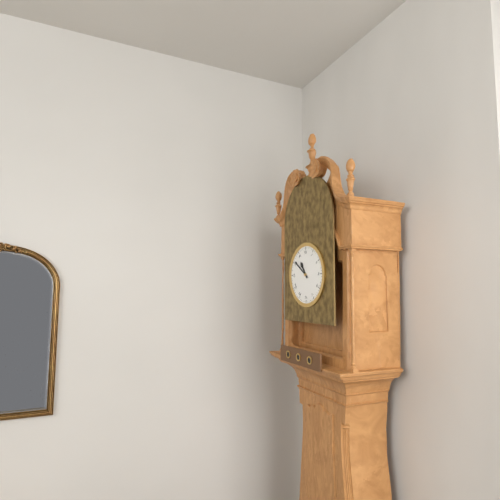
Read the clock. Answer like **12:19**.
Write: **10:51**
